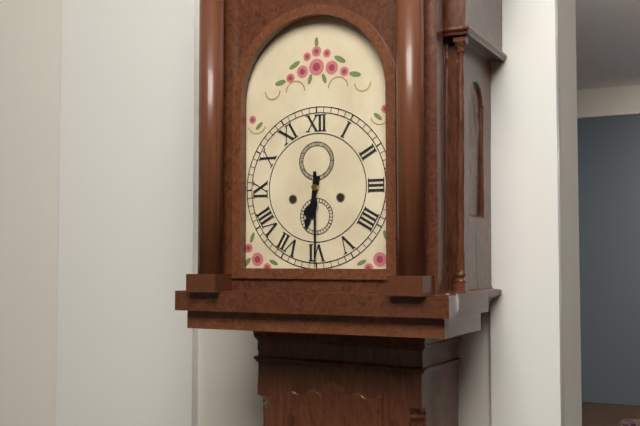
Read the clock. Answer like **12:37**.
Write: **6:30**
